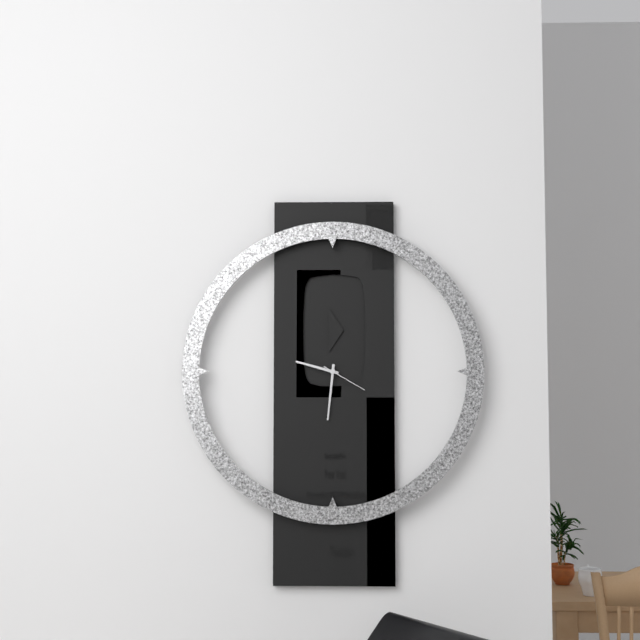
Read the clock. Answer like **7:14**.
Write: **9:31**
